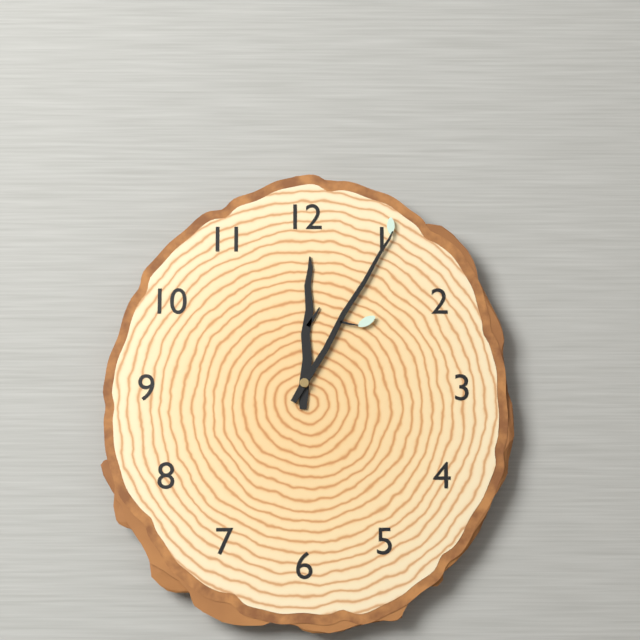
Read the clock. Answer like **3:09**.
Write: **12:05**
